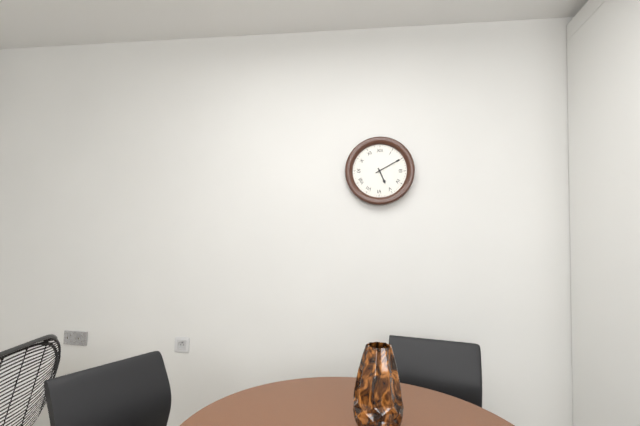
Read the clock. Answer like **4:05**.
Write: **5:10**
